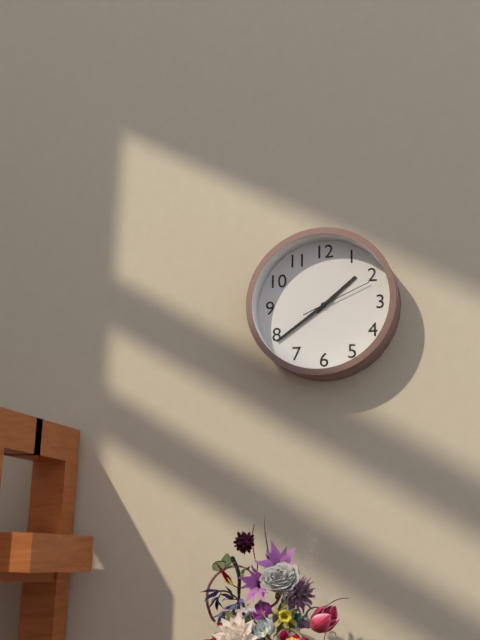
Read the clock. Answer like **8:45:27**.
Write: **1:39:11**
